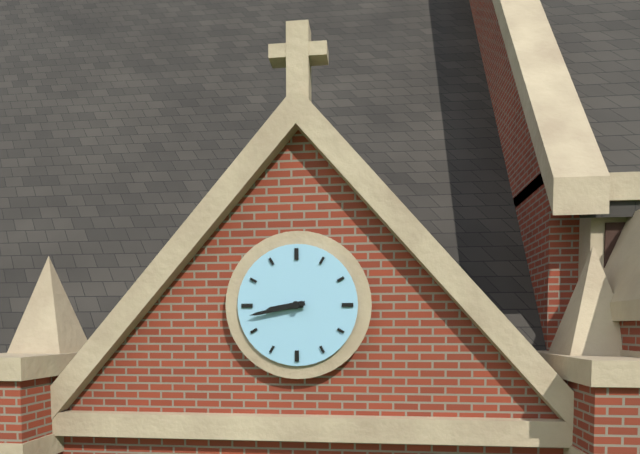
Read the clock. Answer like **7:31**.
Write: **8:43**
